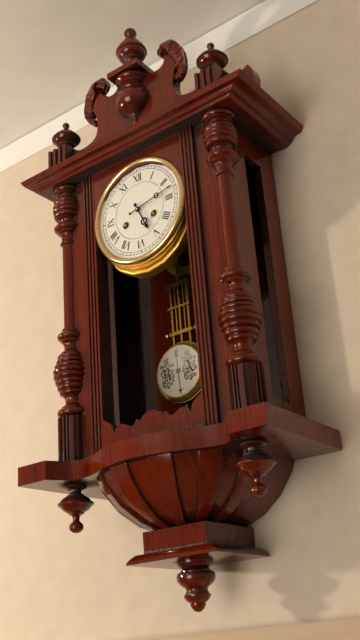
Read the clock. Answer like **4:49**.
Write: **5:13**
